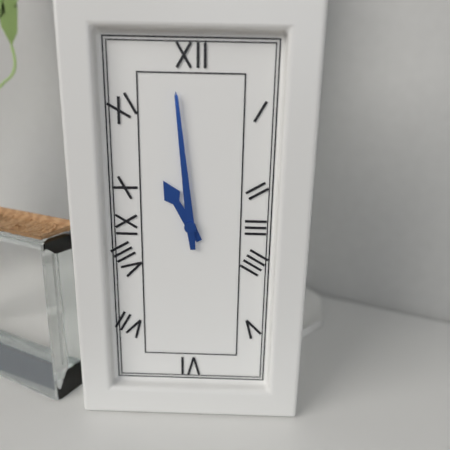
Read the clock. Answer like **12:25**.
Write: **10:59**
